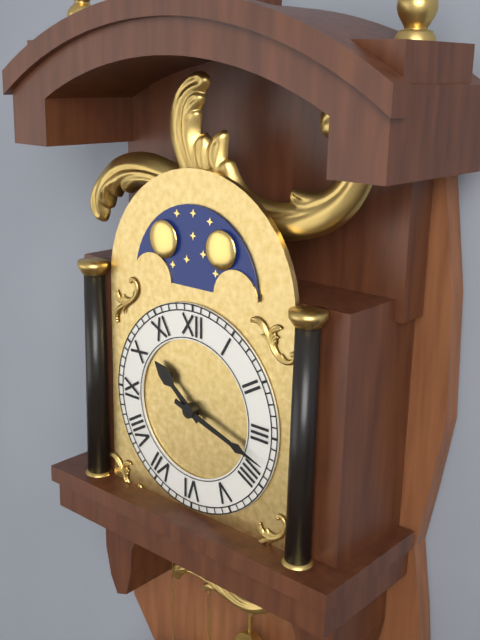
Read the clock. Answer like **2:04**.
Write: **10:18**
